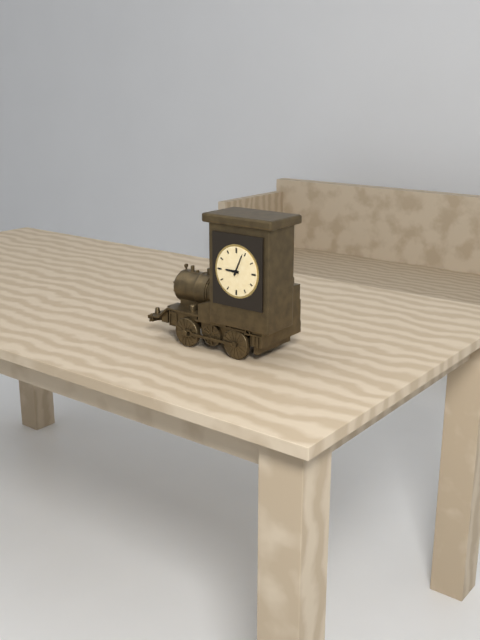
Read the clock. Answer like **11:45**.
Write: **9:04**
